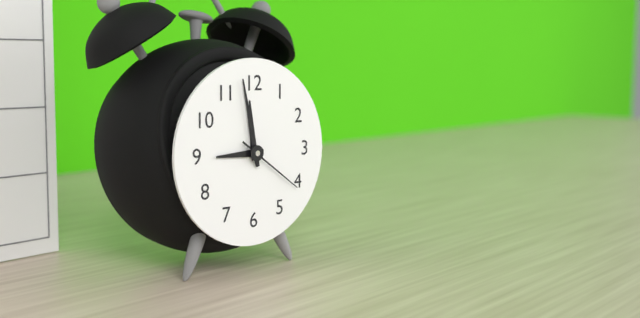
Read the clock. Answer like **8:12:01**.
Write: **8:58:21**
